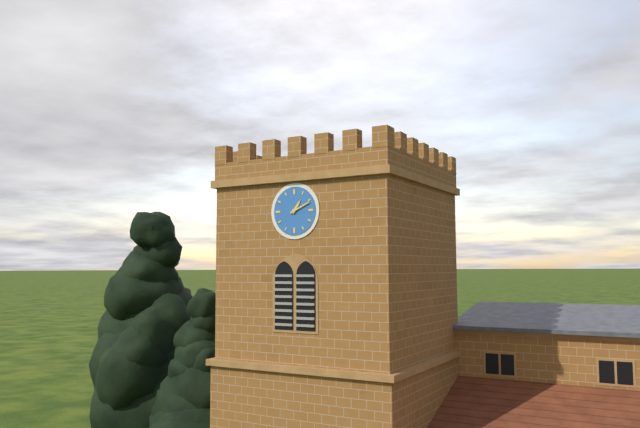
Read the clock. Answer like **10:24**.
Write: **1:11**
